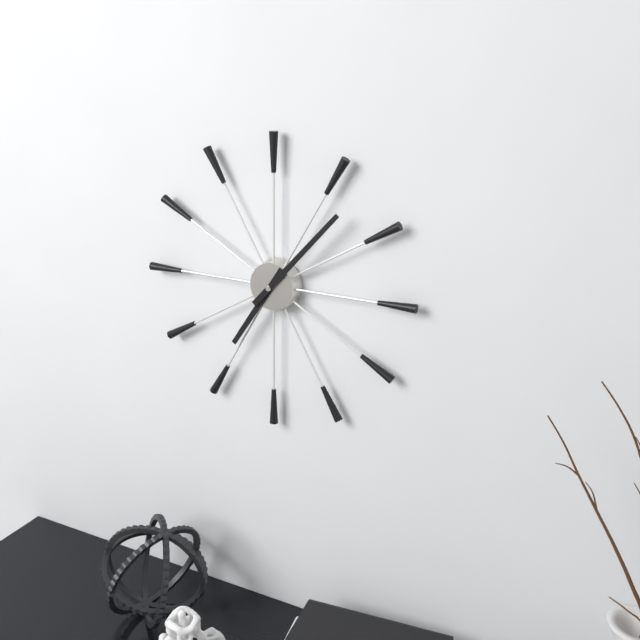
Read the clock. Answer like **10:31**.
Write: **7:07**
